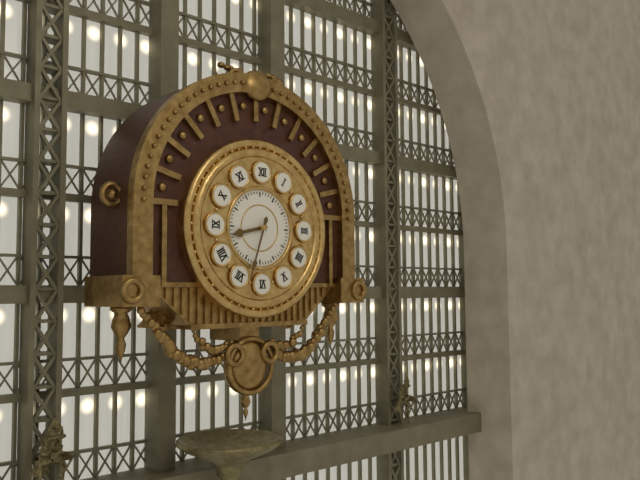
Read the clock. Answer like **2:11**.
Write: **8:33**
